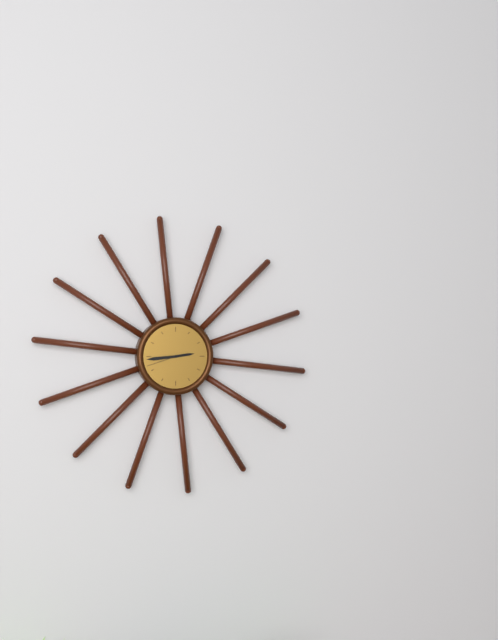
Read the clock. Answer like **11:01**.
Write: **2:44**
